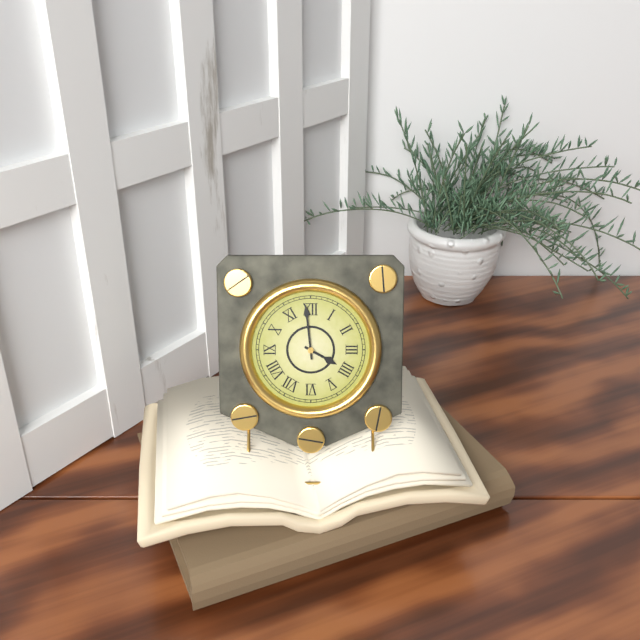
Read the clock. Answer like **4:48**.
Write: **3:59**
